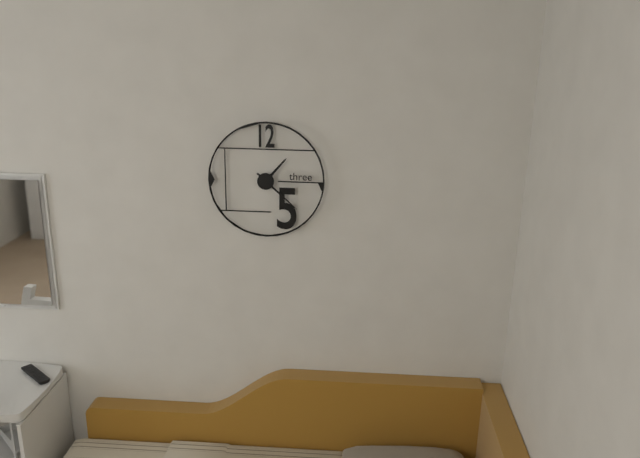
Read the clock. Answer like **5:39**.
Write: **1:22**
